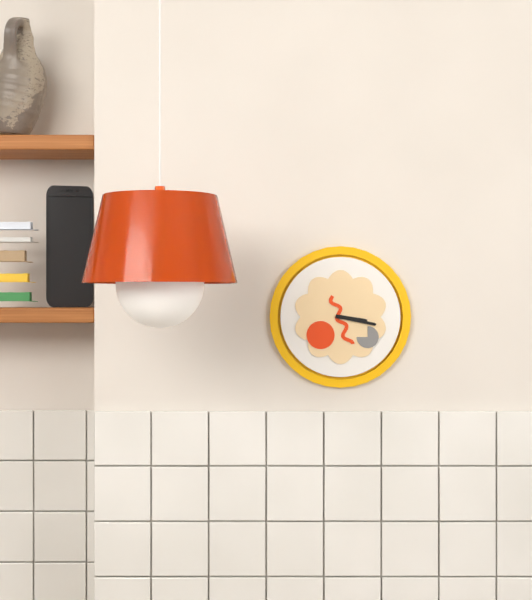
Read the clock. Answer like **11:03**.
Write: **3:17**
